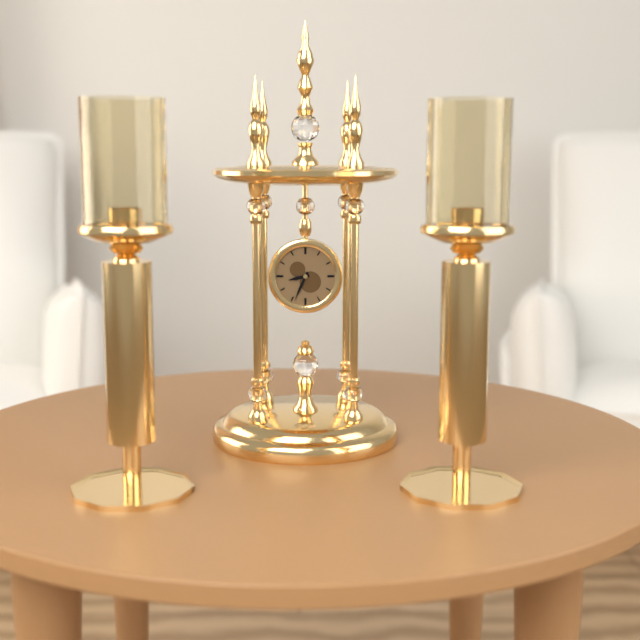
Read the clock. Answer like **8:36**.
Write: **8:34**
